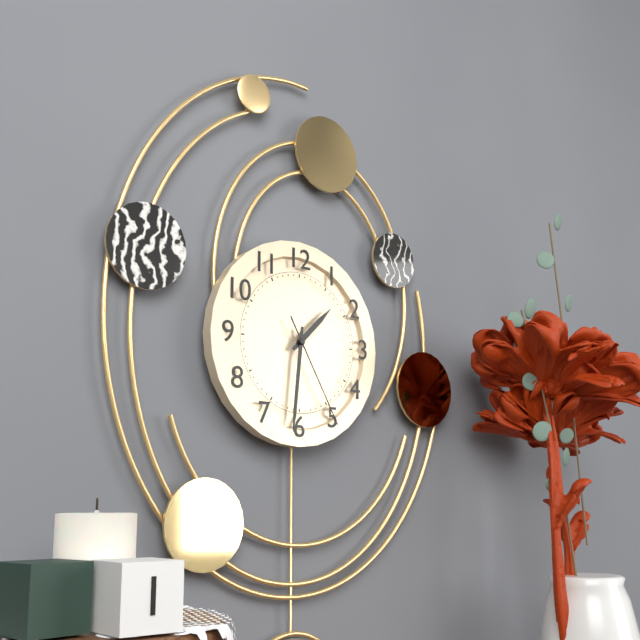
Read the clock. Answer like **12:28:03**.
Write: **1:31:25**
